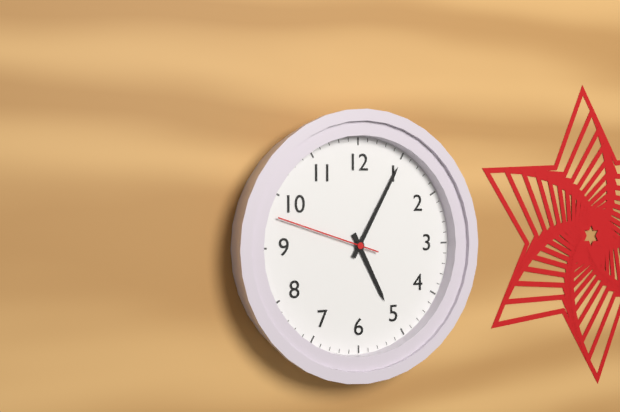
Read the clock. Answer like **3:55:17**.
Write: **5:05:48**
